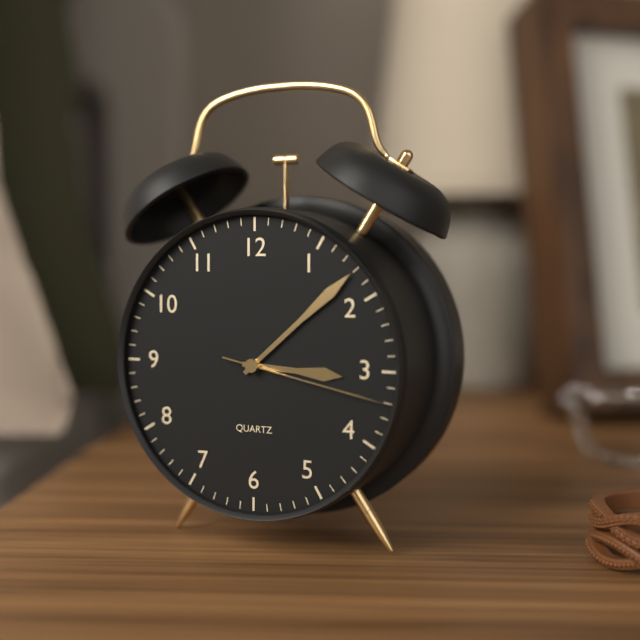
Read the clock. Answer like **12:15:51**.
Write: **3:08:17**
